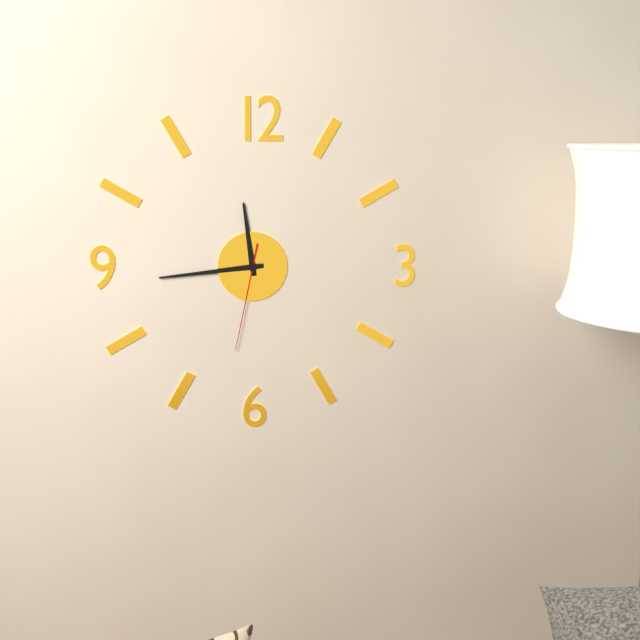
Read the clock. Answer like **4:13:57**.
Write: **11:44:32**
